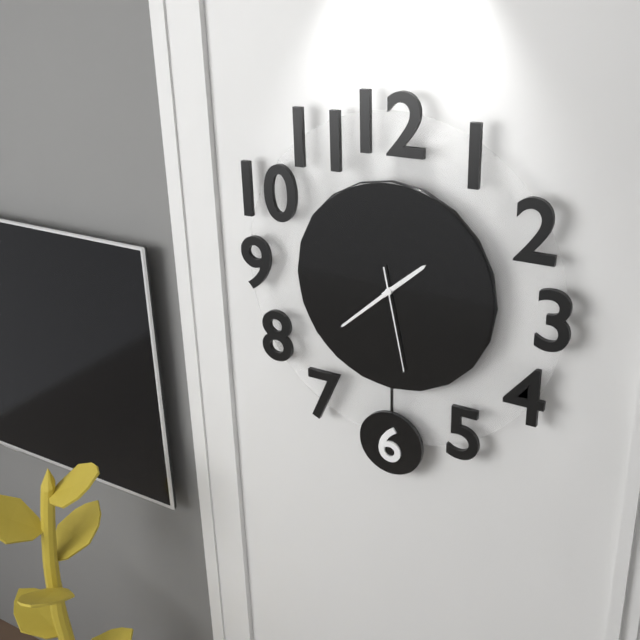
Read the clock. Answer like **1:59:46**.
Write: **1:38:28**
